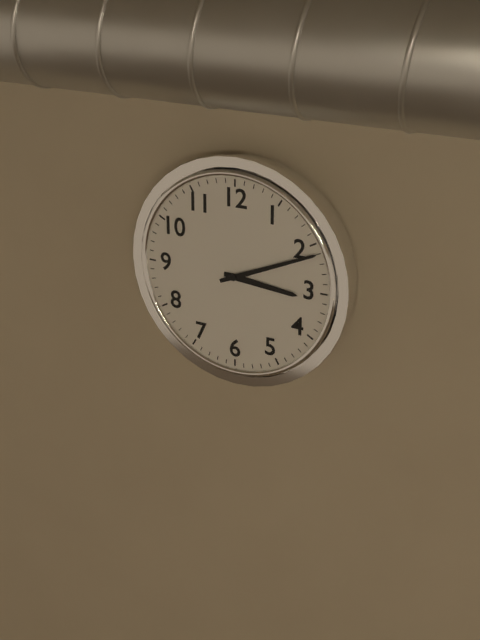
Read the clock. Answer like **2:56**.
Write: **3:11**
